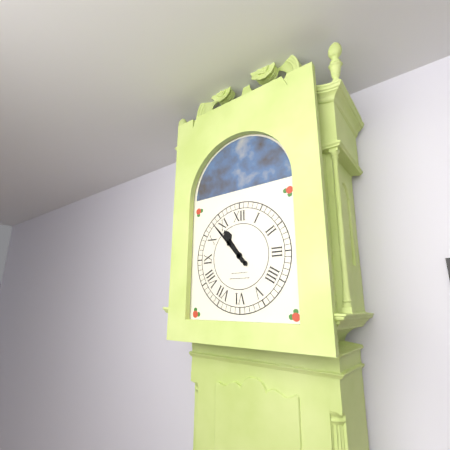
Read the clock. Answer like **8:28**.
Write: **10:53**
